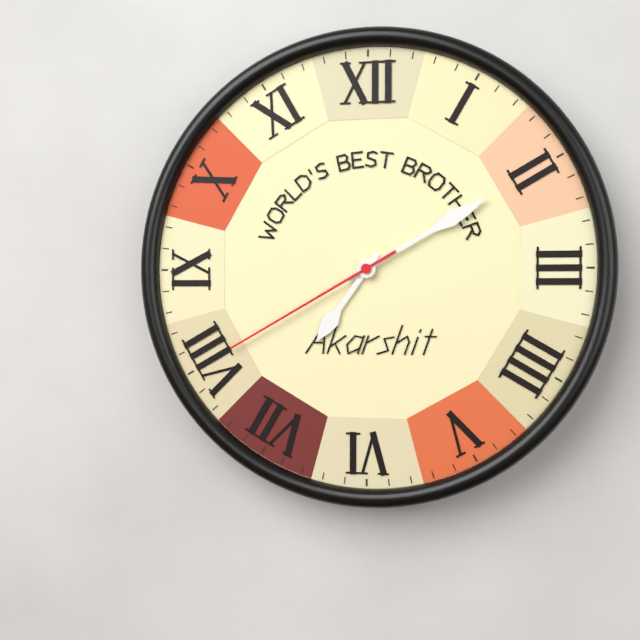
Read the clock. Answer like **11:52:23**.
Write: **7:10:40**
